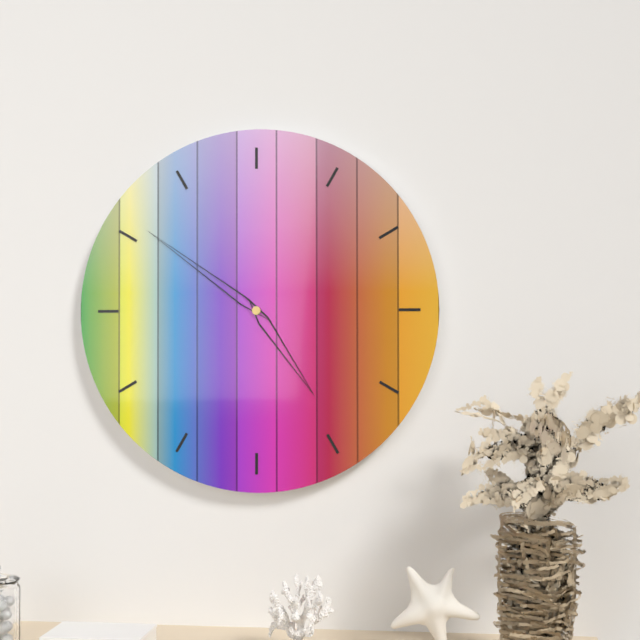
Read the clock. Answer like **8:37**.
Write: **4:51**
